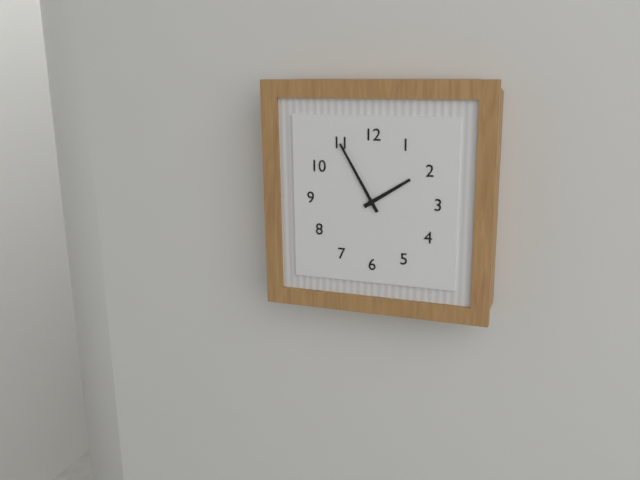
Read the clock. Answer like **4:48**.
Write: **1:55**
